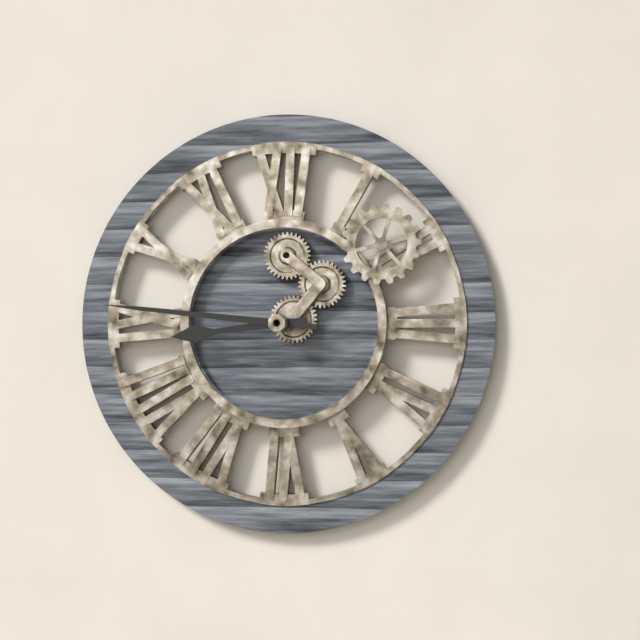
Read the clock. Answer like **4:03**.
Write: **8:46**
